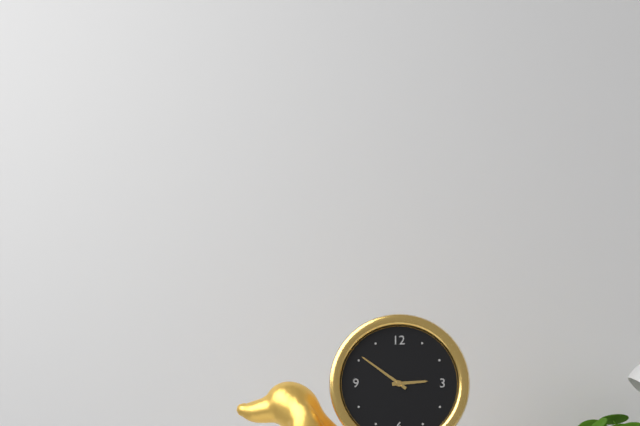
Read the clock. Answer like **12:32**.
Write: **2:51**
